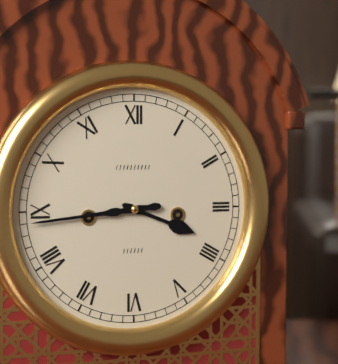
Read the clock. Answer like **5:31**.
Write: **3:44**
